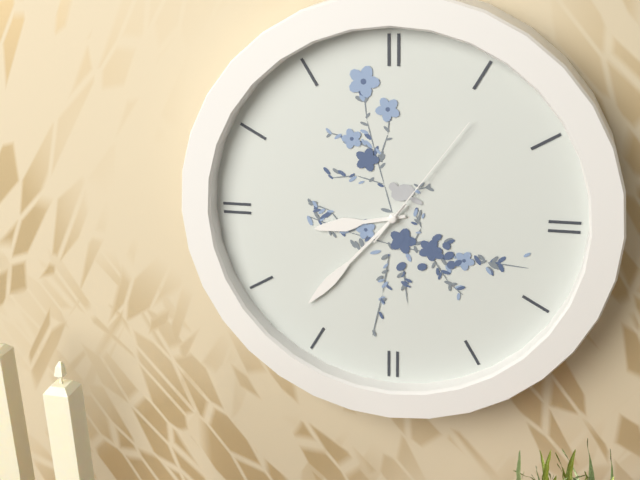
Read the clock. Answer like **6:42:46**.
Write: **8:37:06**
